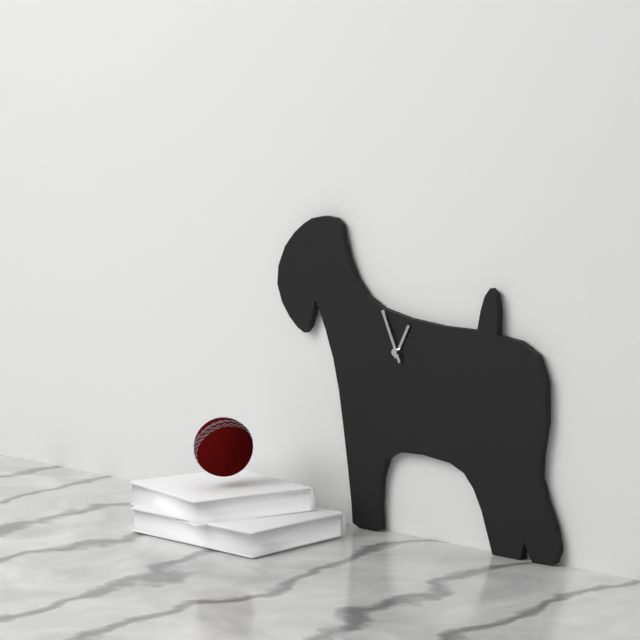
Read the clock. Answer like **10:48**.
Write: **12:56**
